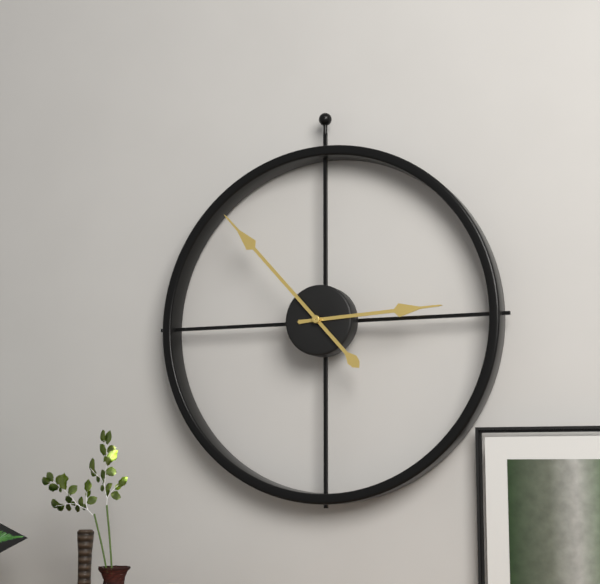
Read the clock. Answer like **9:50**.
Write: **2:53**
